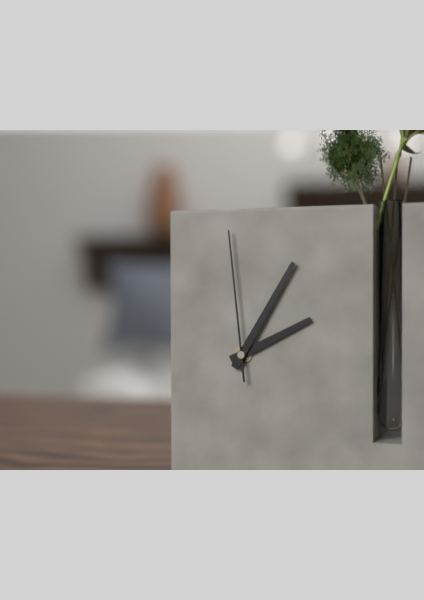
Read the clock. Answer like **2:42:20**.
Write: **2:05:59**
